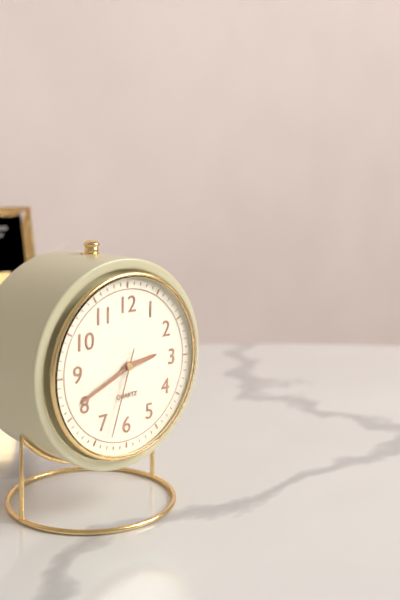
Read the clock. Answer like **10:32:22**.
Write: **2:41:33**
